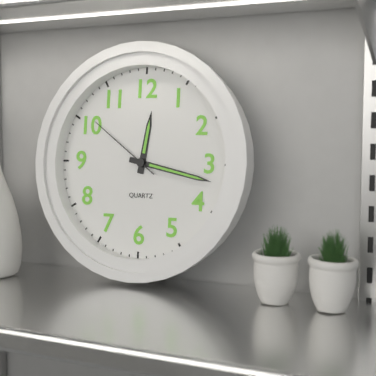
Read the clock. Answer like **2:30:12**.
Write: **12:17:51**
